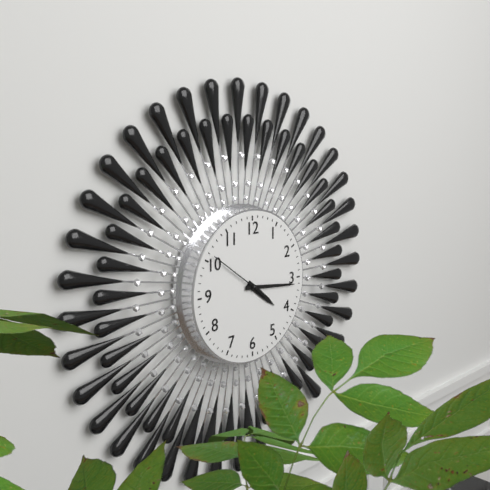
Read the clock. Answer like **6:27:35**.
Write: **4:16:51**
